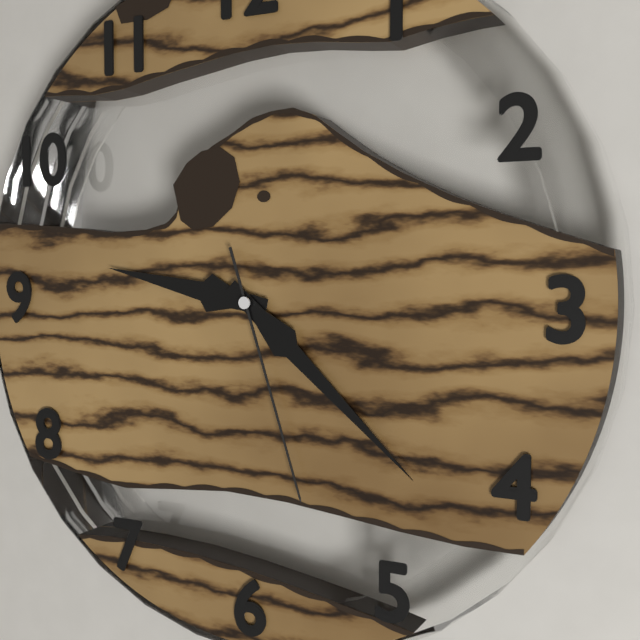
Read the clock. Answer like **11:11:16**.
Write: **9:22:27**
